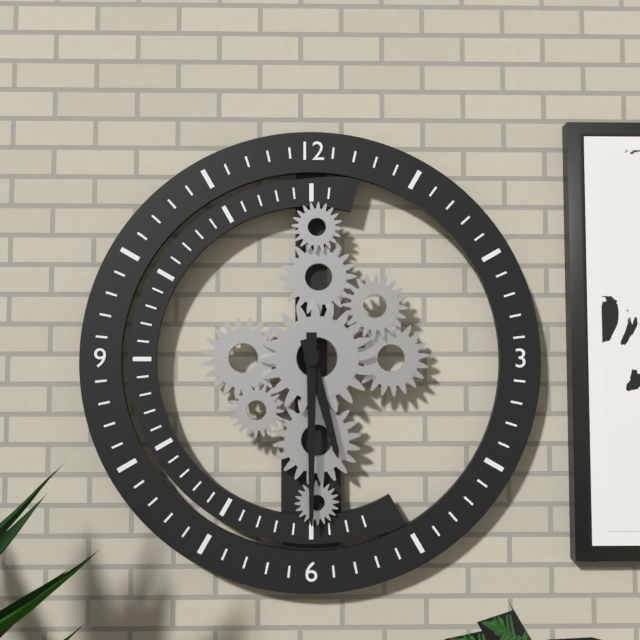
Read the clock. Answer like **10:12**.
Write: **5:30**
